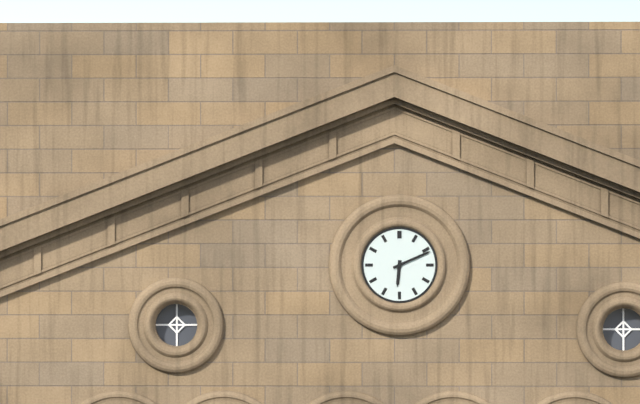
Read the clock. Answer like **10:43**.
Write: **6:11**
